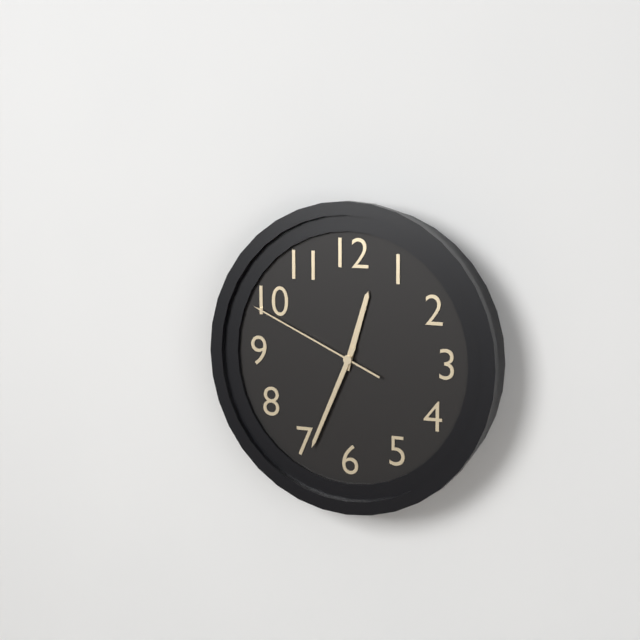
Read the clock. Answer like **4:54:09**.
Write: **12:34:49**
